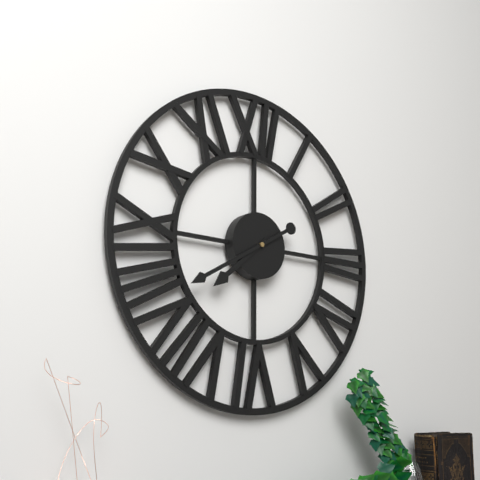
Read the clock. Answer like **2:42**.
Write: **7:40**
